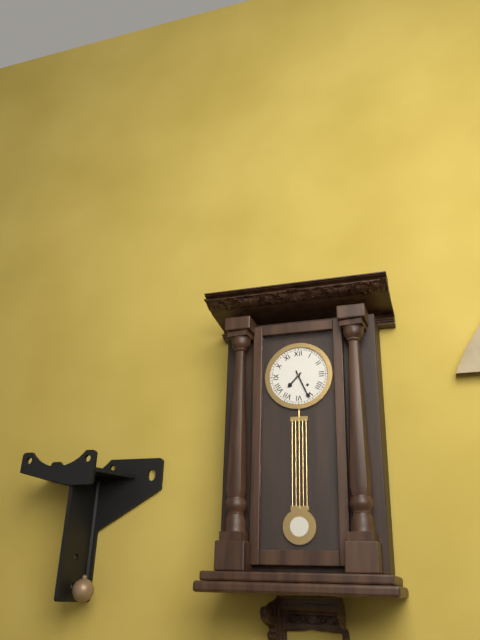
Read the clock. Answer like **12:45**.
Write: **7:26**
